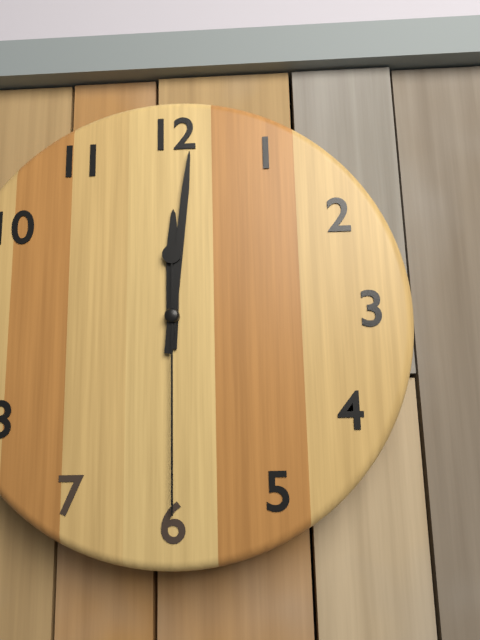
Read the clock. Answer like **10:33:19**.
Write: **12:01:30**
